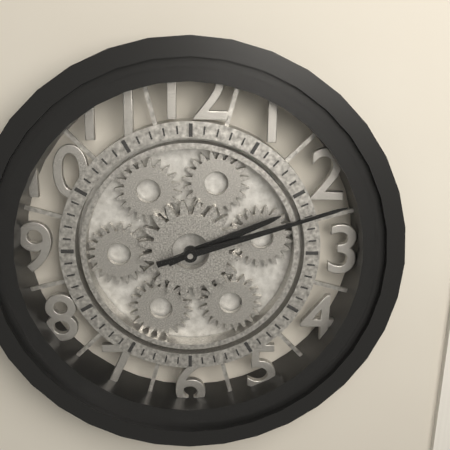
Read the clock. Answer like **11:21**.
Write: **2:12**
